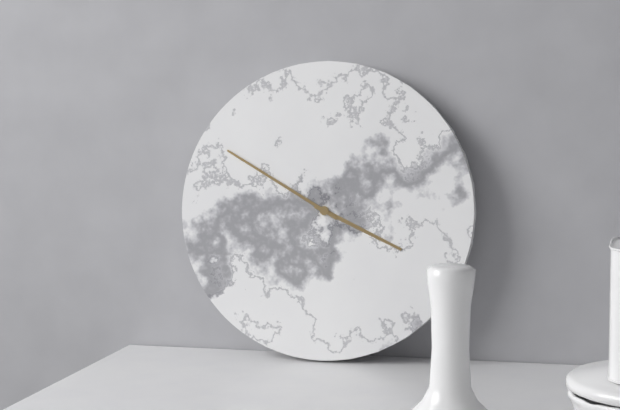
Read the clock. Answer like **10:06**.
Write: **3:50**
